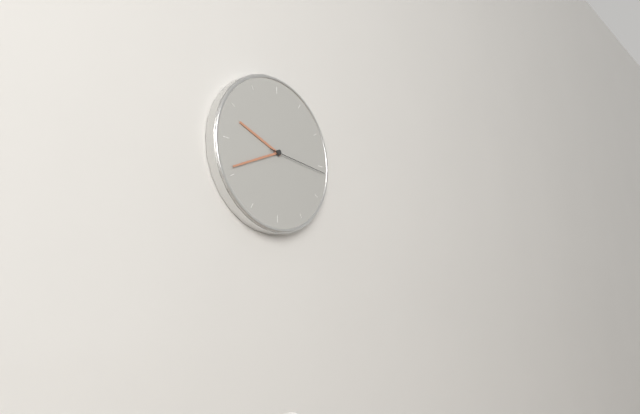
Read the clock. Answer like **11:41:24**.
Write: **9:41:16**
